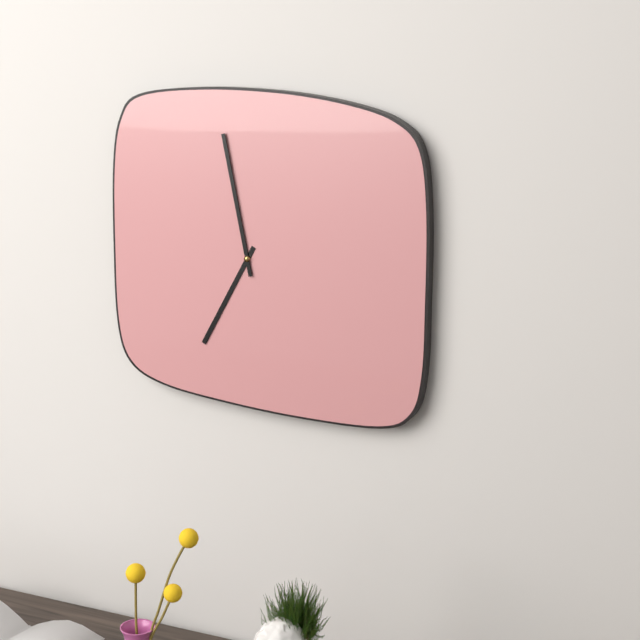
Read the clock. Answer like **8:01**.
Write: **6:58**
